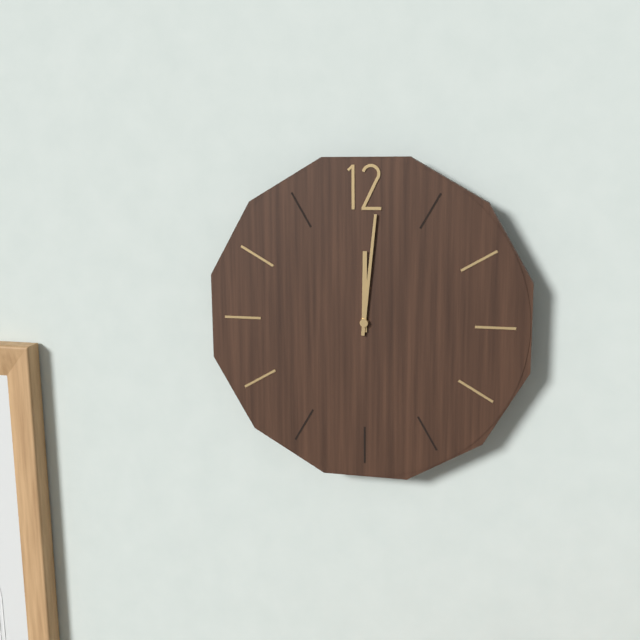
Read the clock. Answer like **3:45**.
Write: **12:01**
